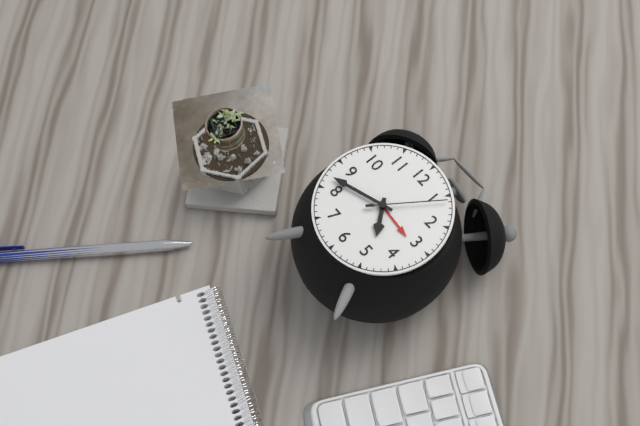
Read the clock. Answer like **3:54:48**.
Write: **4:42:06**
